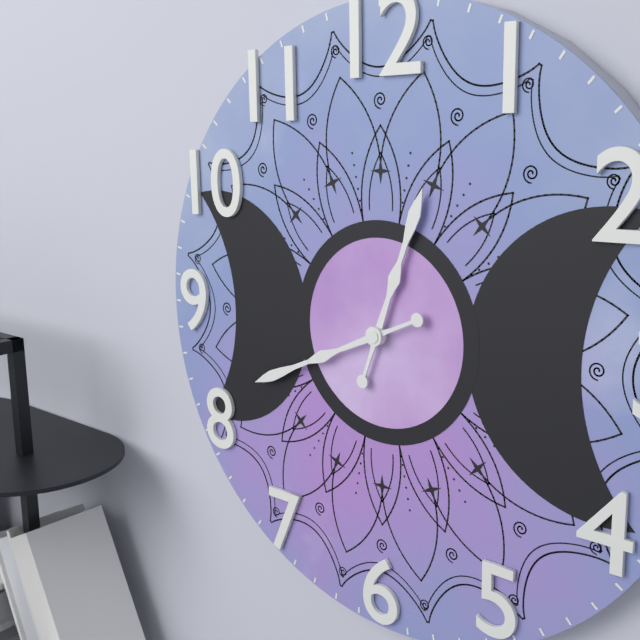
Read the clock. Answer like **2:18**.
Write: **12:41**
